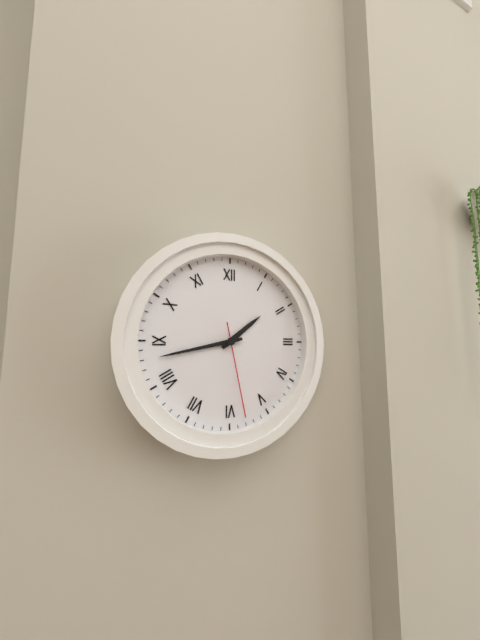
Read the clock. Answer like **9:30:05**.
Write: **1:43:28**
